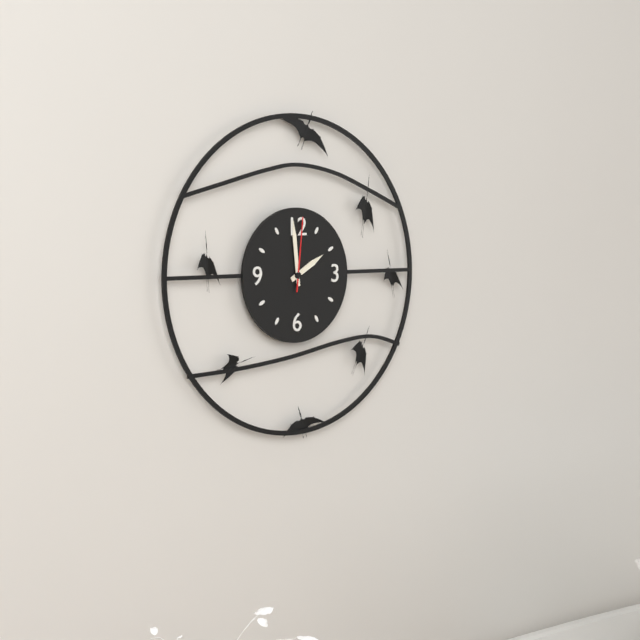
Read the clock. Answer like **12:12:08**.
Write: **1:59:01**
